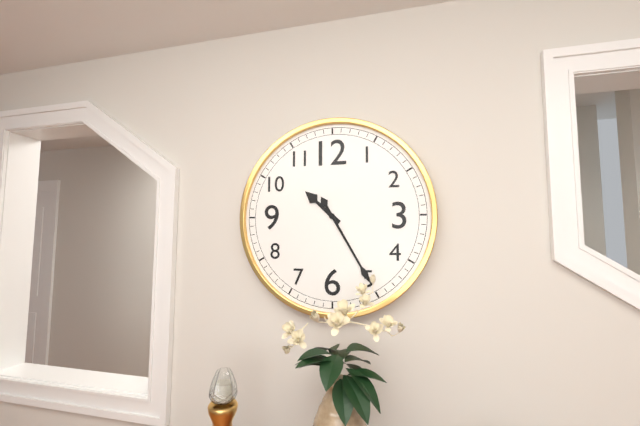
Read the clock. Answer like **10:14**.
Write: **10:25**
